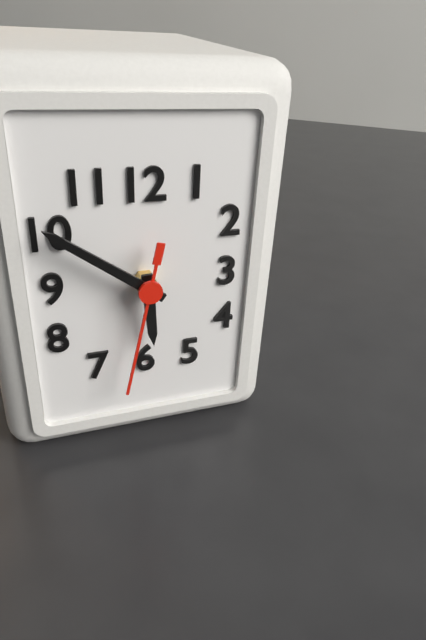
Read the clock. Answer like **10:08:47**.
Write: **5:51:32**
